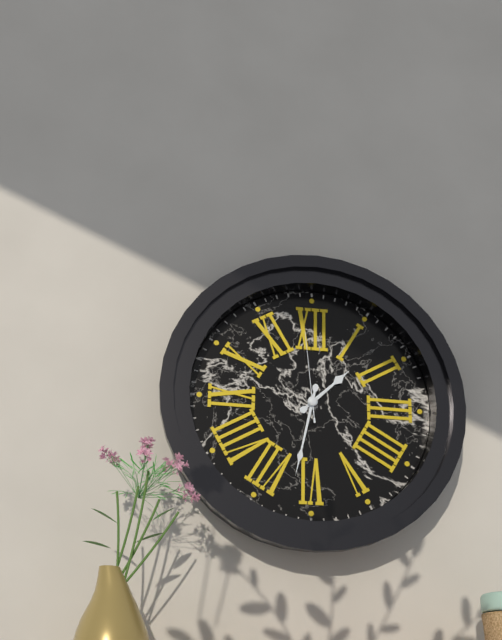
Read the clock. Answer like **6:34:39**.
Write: **1:32:59**
